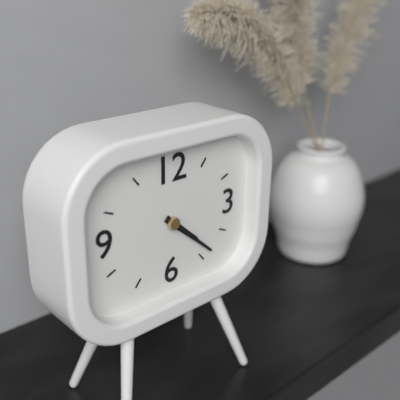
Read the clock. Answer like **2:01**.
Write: **4:22**
